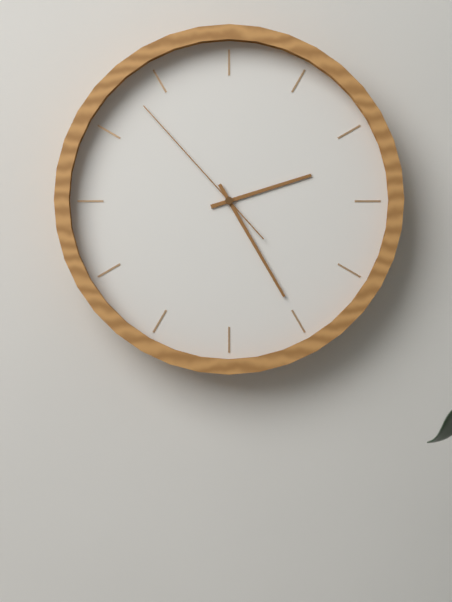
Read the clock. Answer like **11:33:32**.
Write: **2:25:53**
